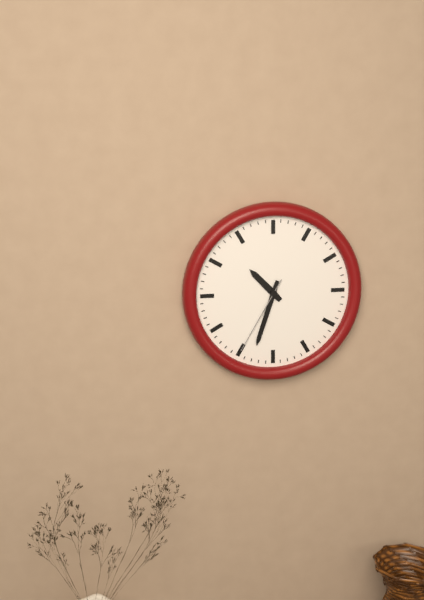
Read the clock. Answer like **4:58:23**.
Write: **10:33:35**
